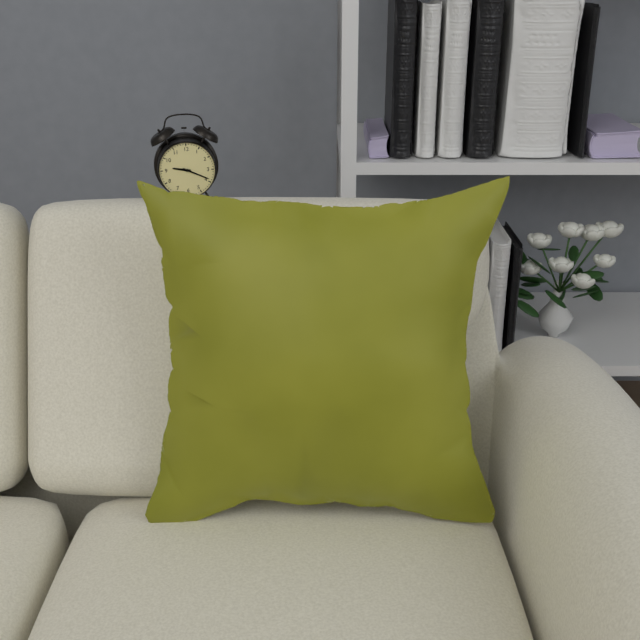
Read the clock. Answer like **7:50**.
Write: **9:19**
